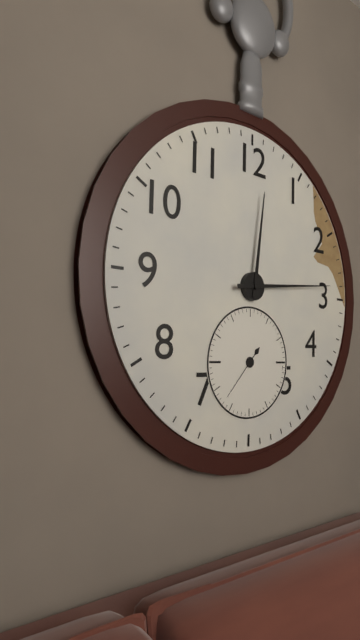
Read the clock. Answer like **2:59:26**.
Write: **12:14:37**
